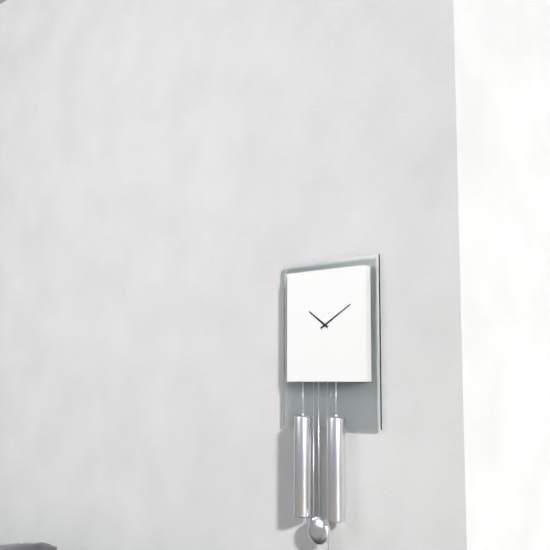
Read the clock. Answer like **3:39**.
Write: **10:10**
